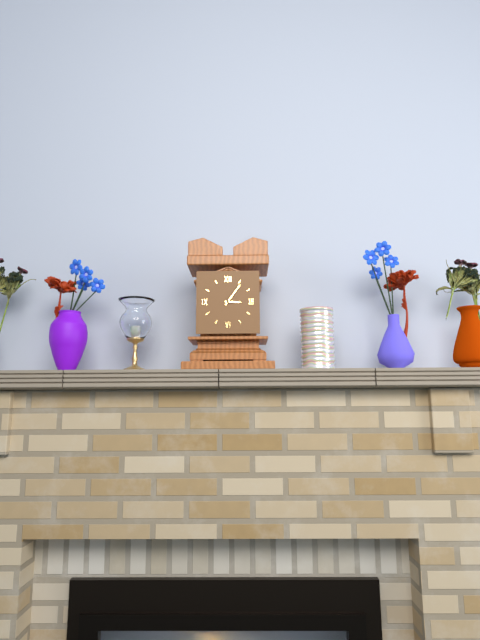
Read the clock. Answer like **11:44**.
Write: **3:06**
